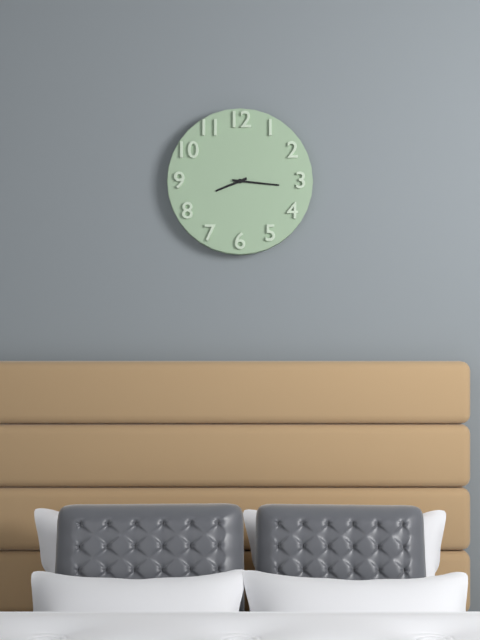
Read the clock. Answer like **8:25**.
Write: **8:16**
